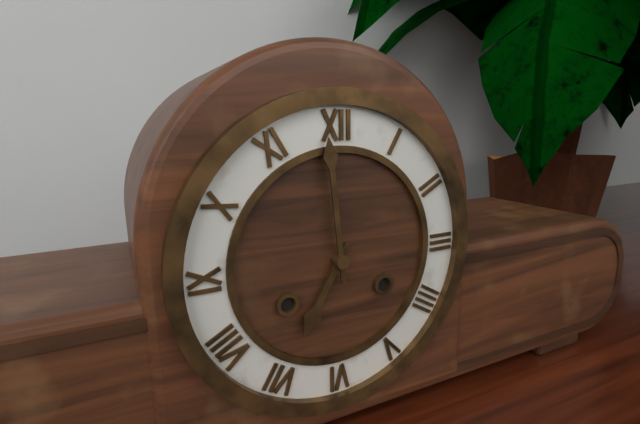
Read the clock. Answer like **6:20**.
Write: **6:59**
